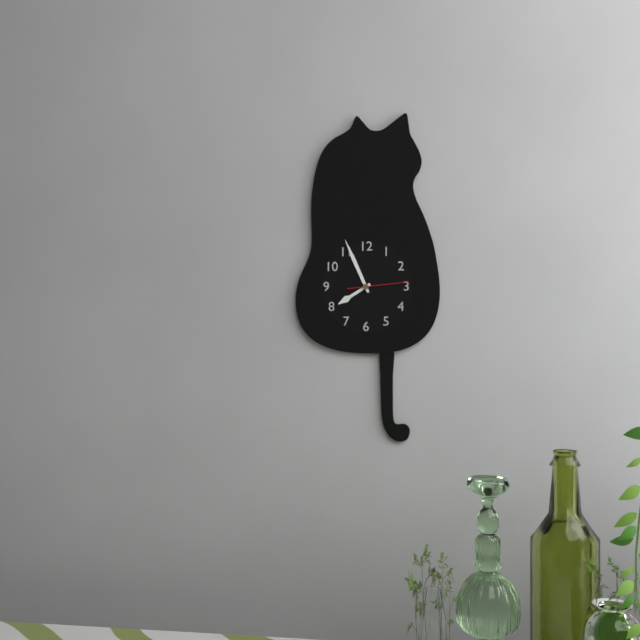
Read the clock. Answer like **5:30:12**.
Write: **7:56:14**
